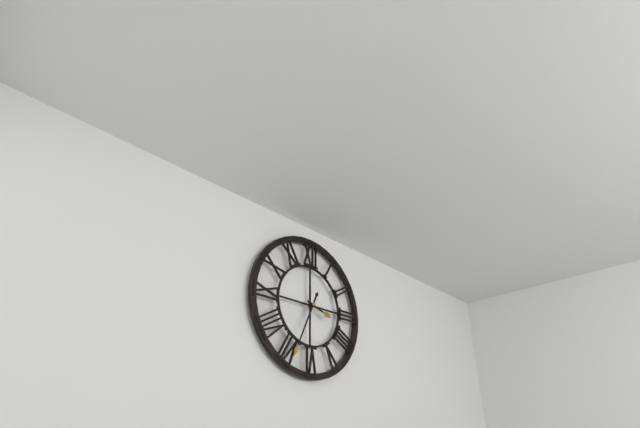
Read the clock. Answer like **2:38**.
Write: **3:34**
